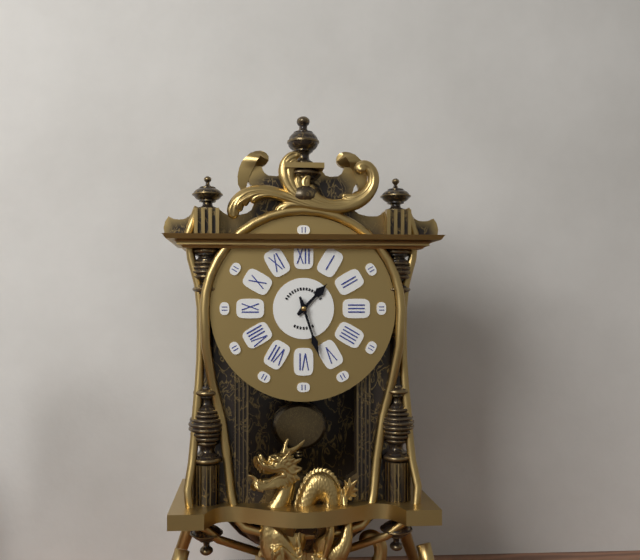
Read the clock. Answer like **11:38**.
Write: **1:27**
